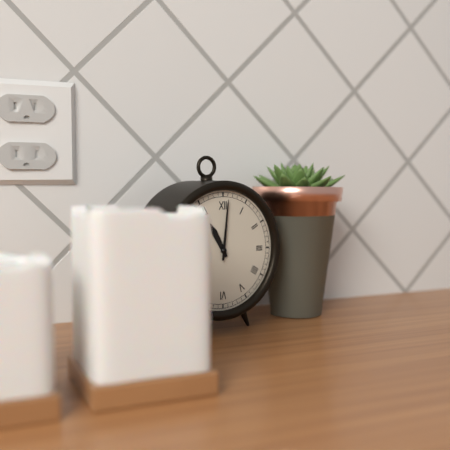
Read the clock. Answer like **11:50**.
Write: **11:01**
